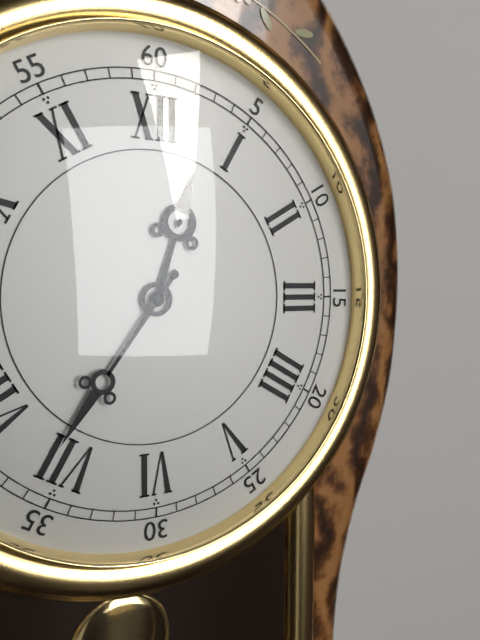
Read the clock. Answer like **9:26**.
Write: **12:36**
